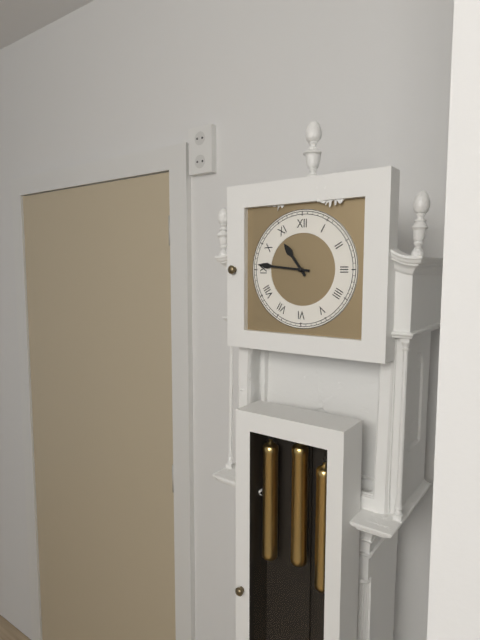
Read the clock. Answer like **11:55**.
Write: **10:46**
